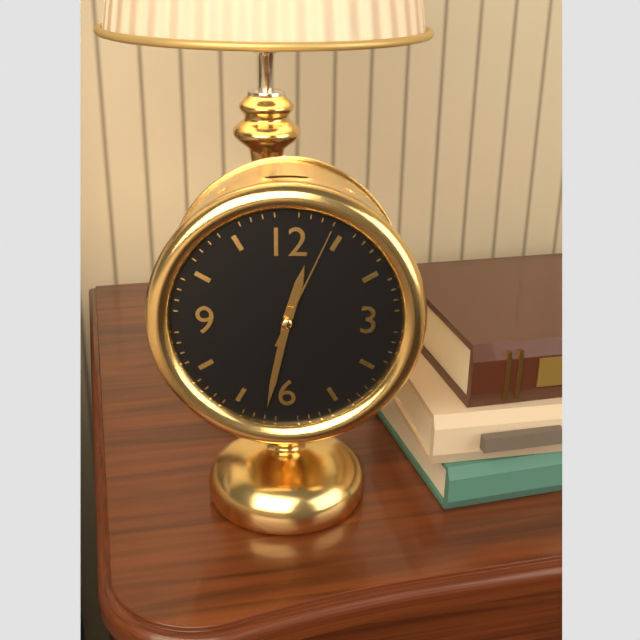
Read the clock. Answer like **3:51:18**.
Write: **12:32:04**
